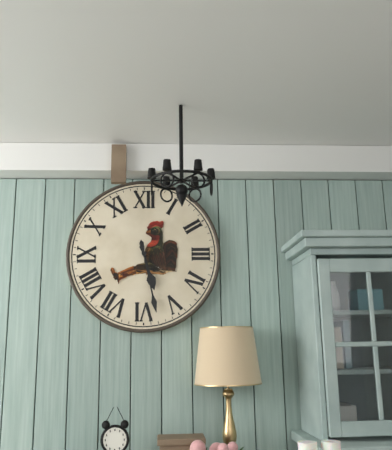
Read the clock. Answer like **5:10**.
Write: **5:28**
